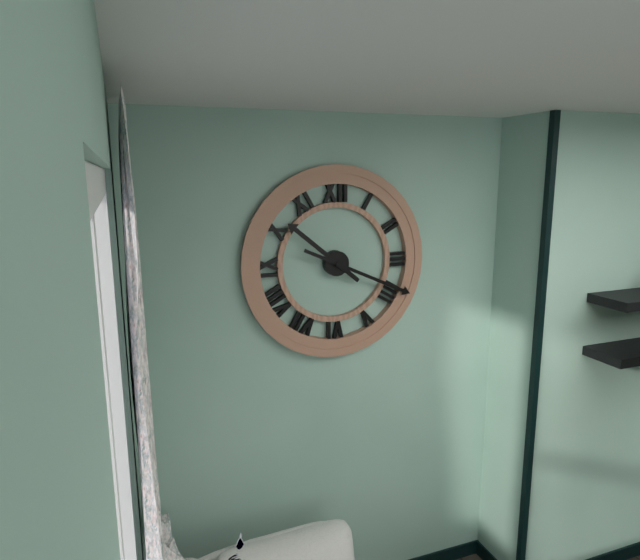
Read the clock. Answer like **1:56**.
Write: **10:19**
